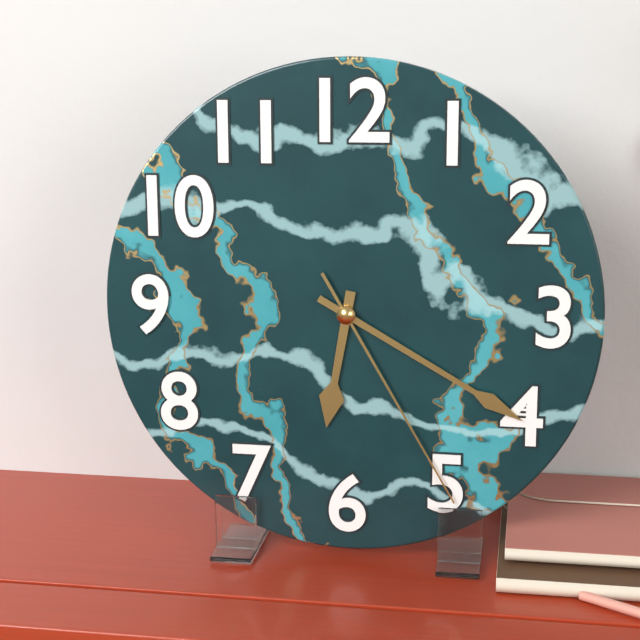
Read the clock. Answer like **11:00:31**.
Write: **6:20:25**
